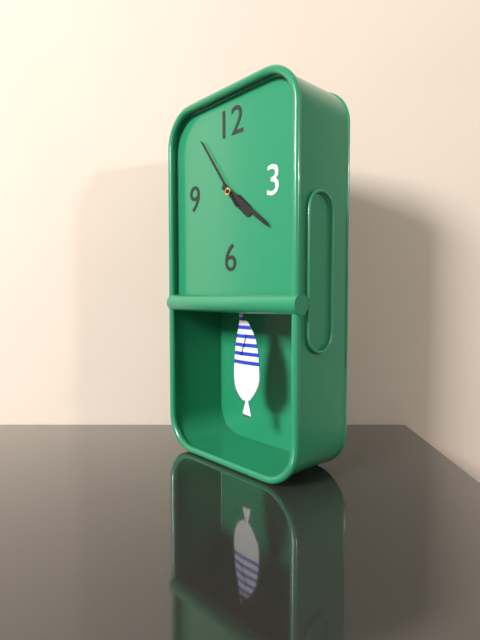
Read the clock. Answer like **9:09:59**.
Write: **4:21:54**
